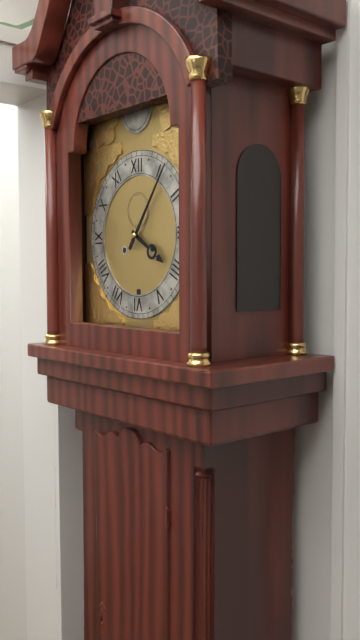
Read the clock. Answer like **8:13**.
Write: **4:06**
